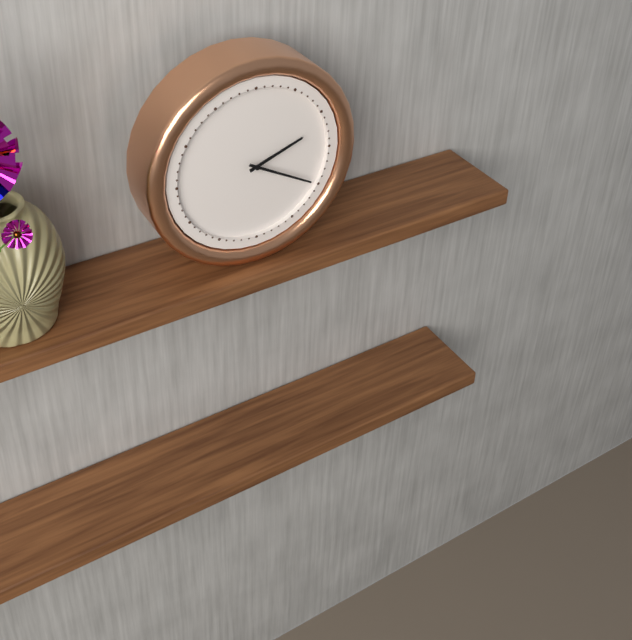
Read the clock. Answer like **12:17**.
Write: **2:20**
